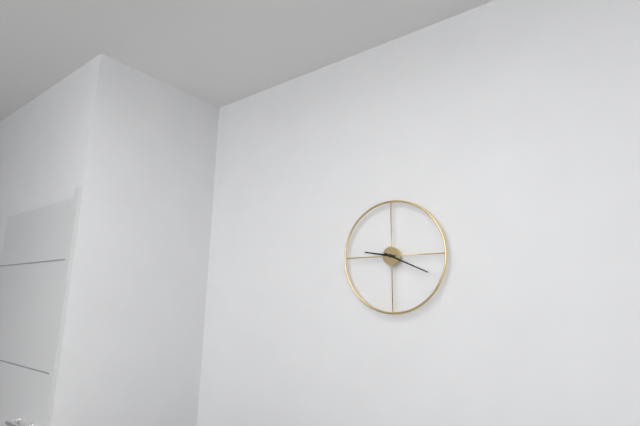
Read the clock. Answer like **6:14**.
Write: **9:19**
